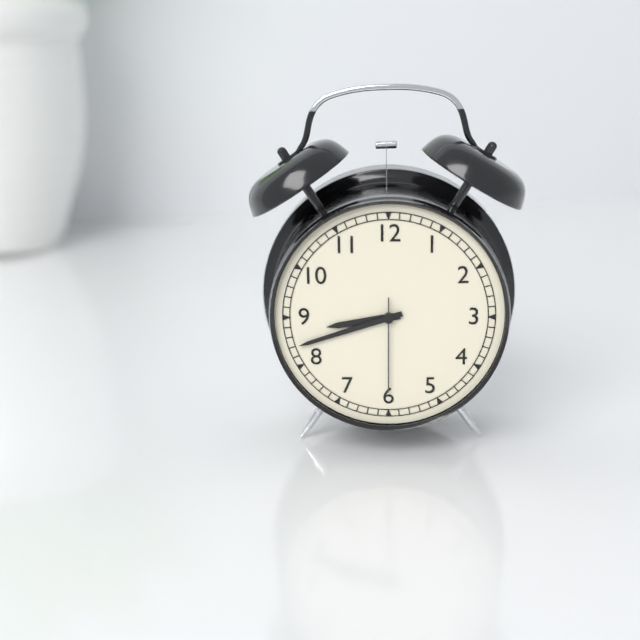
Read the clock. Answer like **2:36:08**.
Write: **8:42:30**
